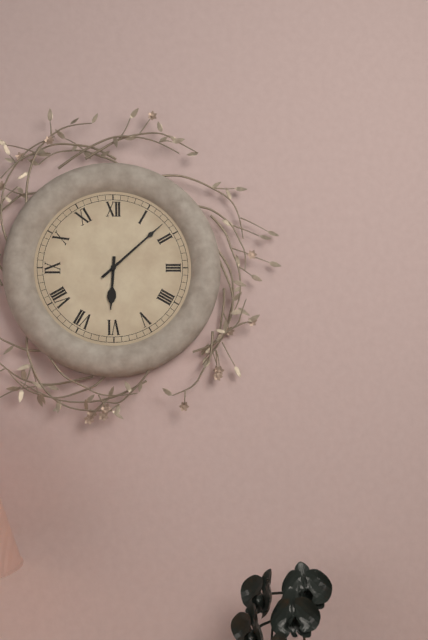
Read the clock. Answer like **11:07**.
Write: **6:08**
